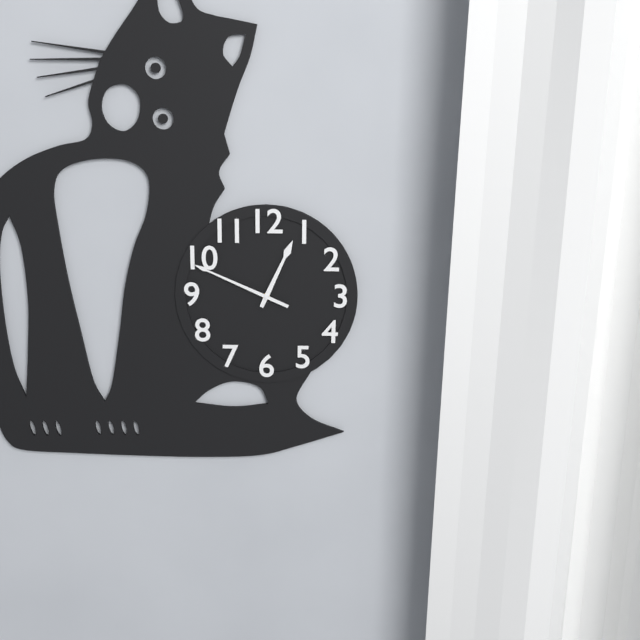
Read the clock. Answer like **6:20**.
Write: **12:49**
